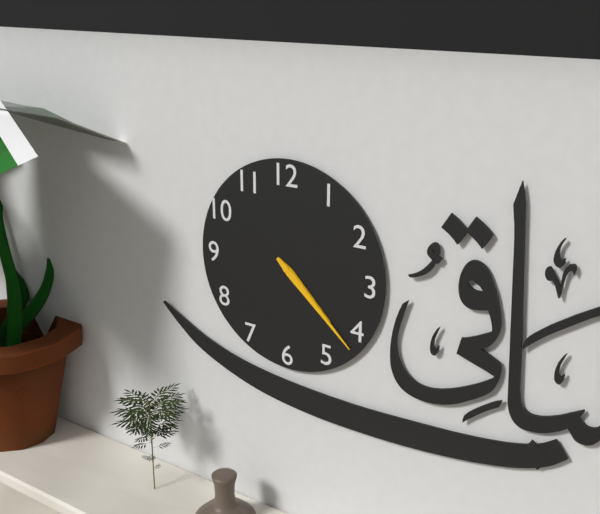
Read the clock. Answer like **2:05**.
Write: **4:22**
